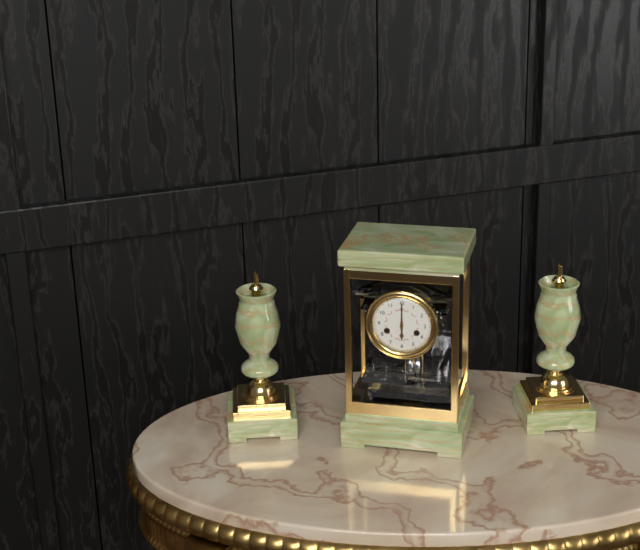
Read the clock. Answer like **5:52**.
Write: **6:00**
